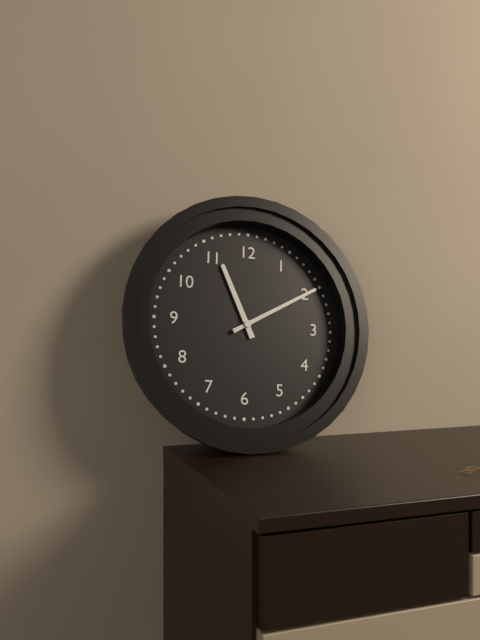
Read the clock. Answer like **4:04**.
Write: **11:10**
